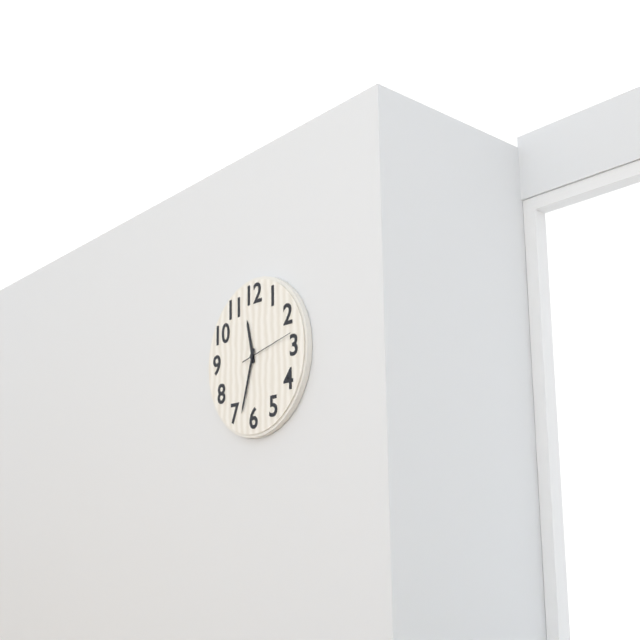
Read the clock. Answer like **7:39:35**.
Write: **11:33:13**
